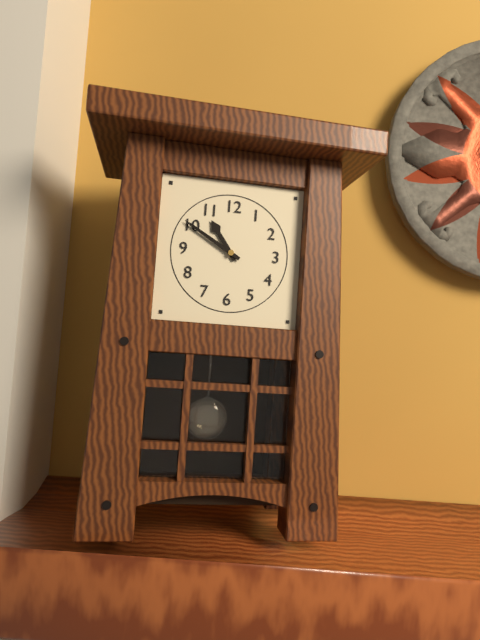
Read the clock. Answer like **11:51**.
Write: **10:50**
